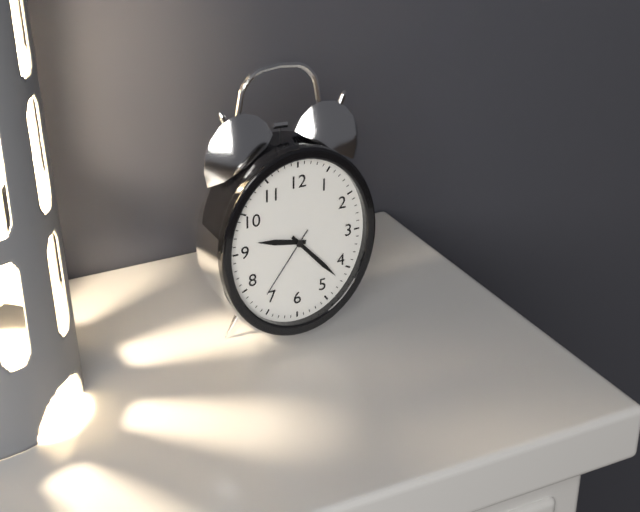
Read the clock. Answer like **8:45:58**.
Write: **9:23:36**
